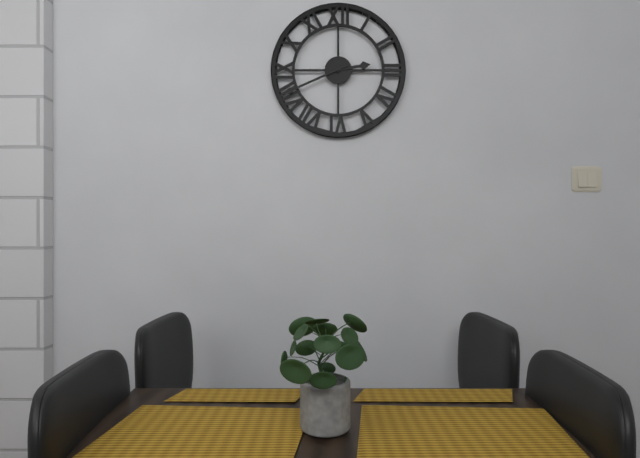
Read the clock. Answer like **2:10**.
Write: **2:41**
